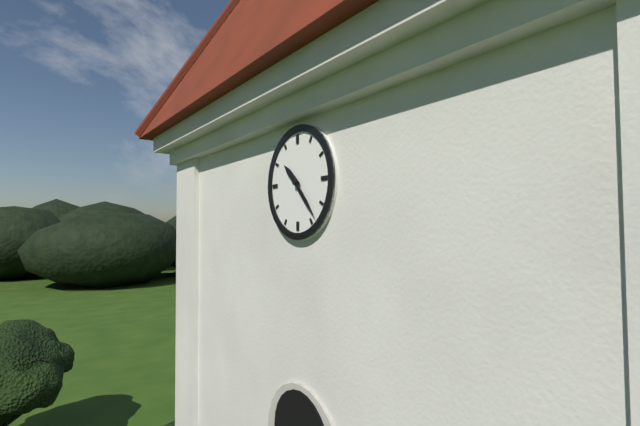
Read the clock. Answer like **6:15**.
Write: **10:23**
